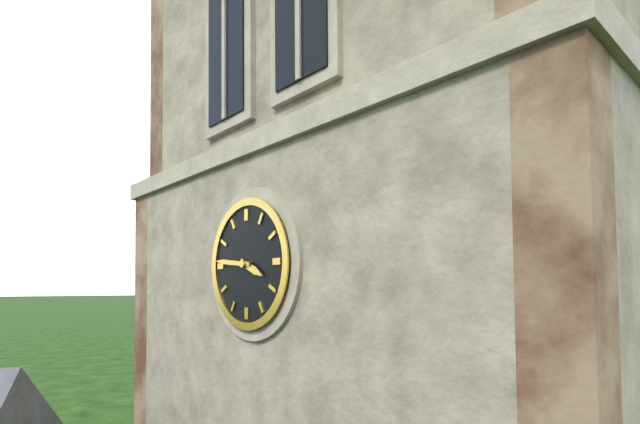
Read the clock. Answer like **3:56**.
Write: **3:46**
